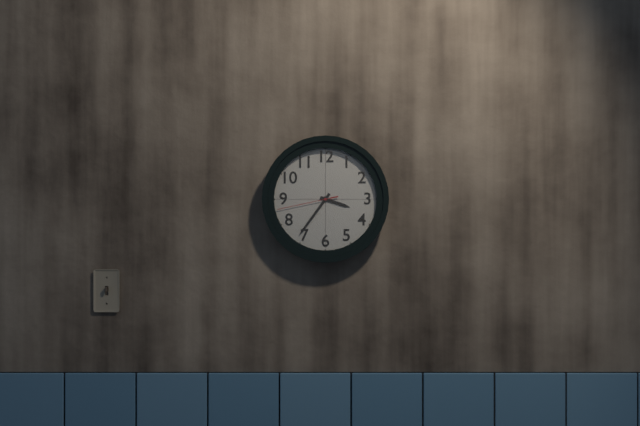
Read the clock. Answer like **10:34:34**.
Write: **3:36:43**
